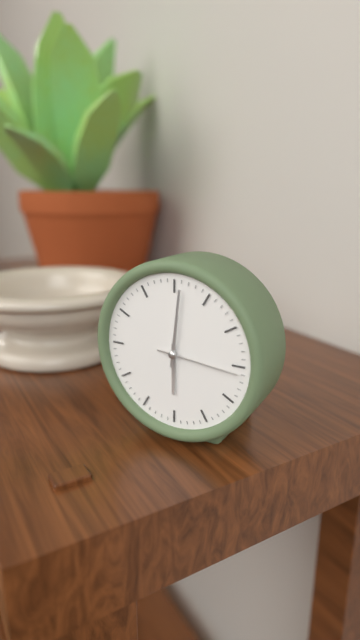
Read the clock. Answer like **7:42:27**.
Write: **6:01:16**
